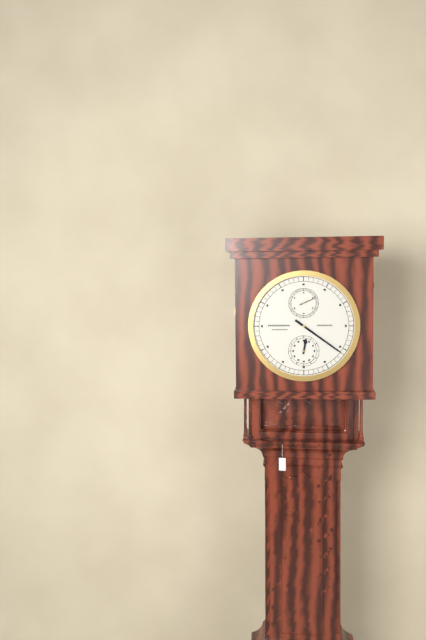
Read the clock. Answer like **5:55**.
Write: **12:21**
